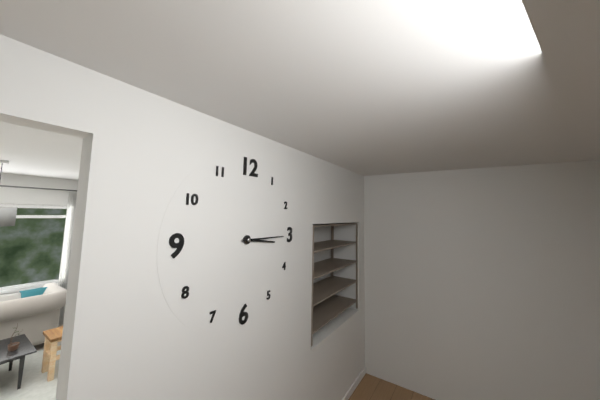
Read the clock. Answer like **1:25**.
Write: **3:15**
